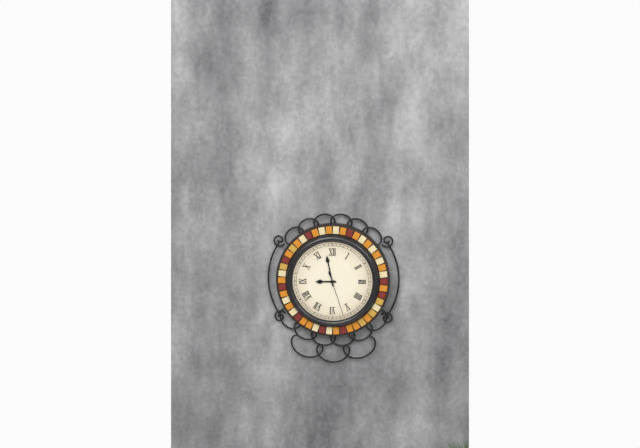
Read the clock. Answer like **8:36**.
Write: **8:58**
